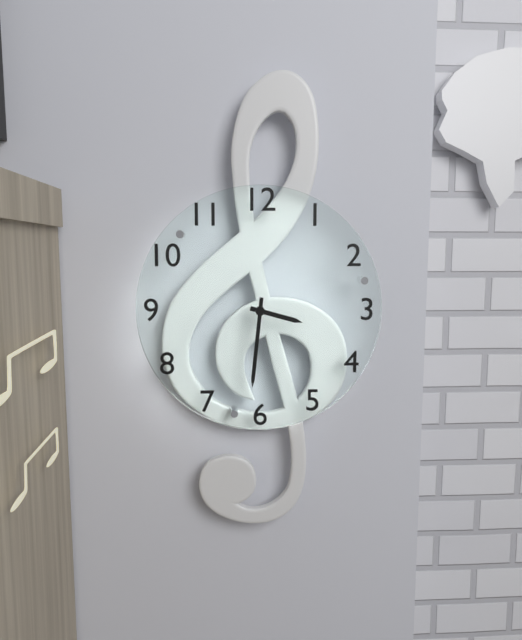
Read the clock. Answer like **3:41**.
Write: **3:31**
